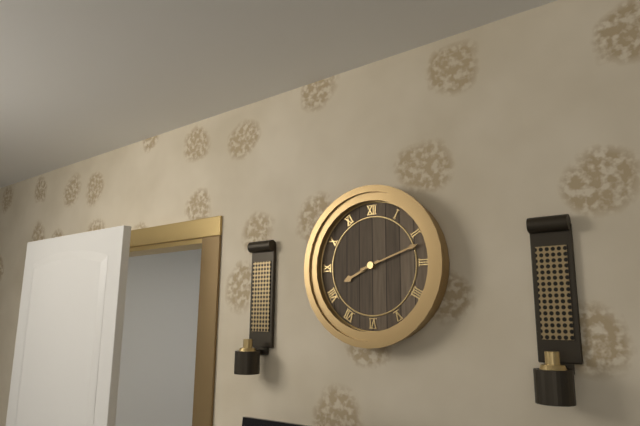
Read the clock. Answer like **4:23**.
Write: **8:12**
